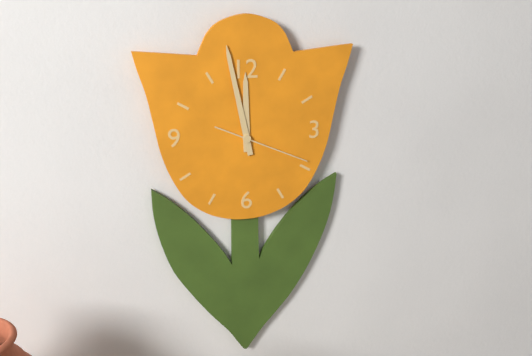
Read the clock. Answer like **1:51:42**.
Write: **11:58:19**
